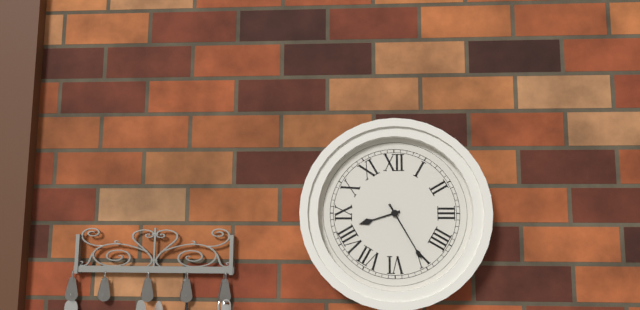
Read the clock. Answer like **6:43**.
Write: **8:25**
